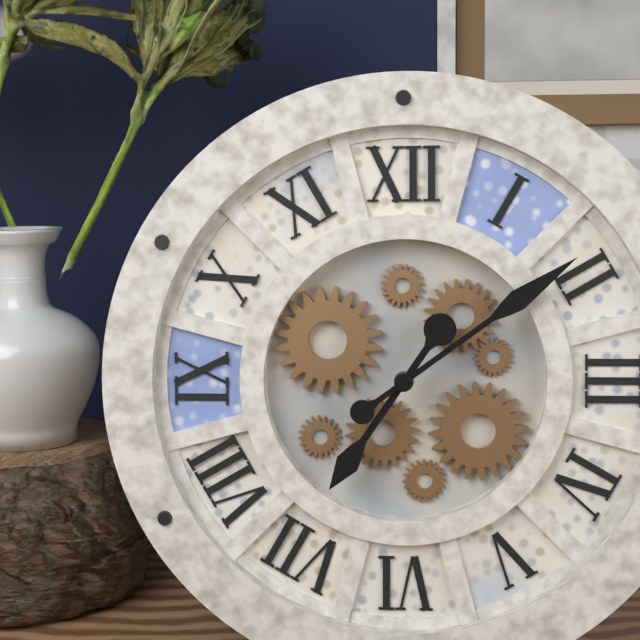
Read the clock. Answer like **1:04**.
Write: **7:09**
